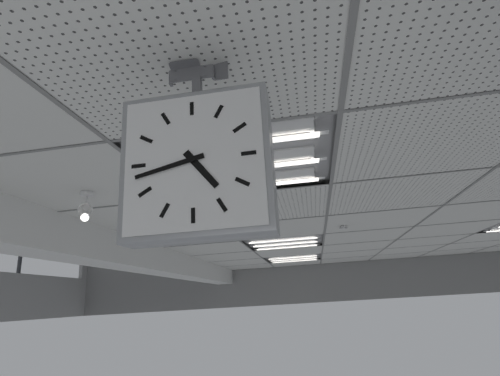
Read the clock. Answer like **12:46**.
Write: **4:43**
